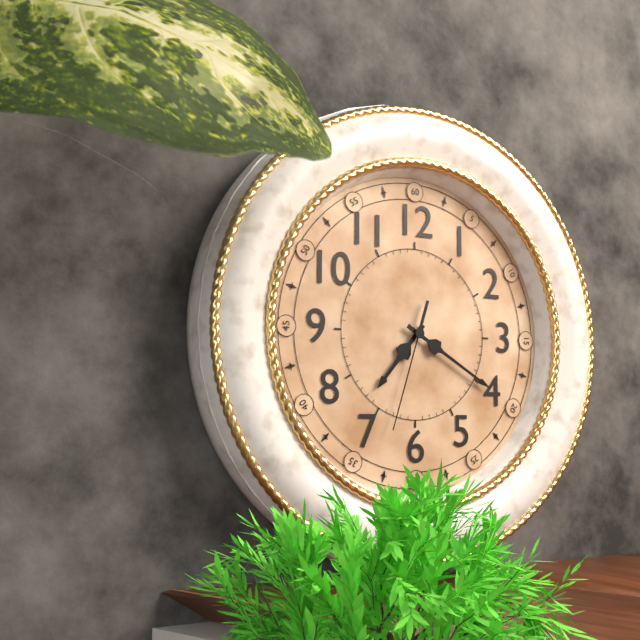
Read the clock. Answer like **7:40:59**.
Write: **7:20:33**
